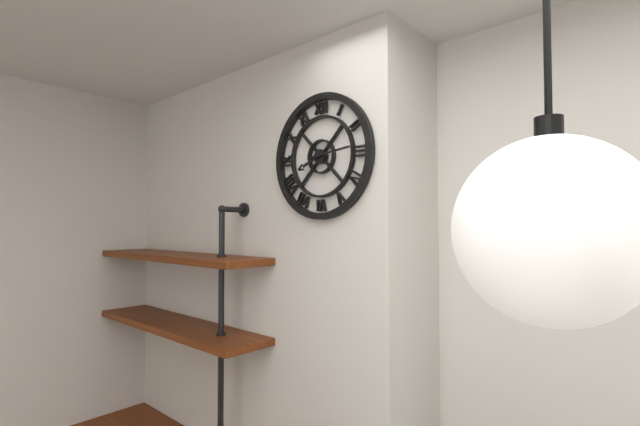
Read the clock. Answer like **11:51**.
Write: **8:14**
